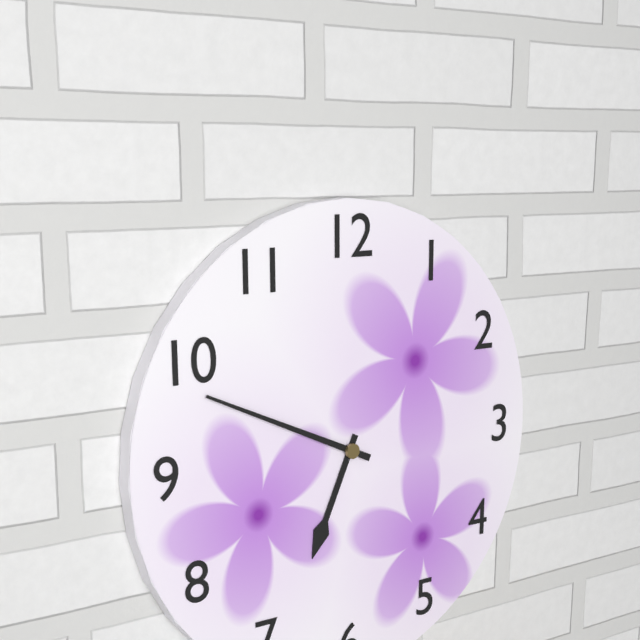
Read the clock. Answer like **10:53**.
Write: **6:49**
